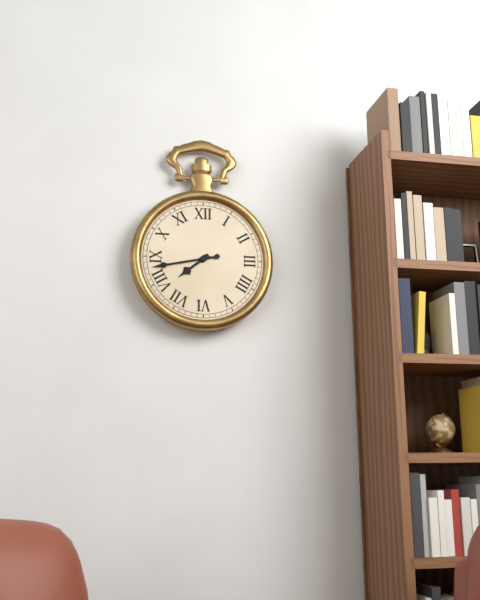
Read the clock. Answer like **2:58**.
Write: **7:43**
